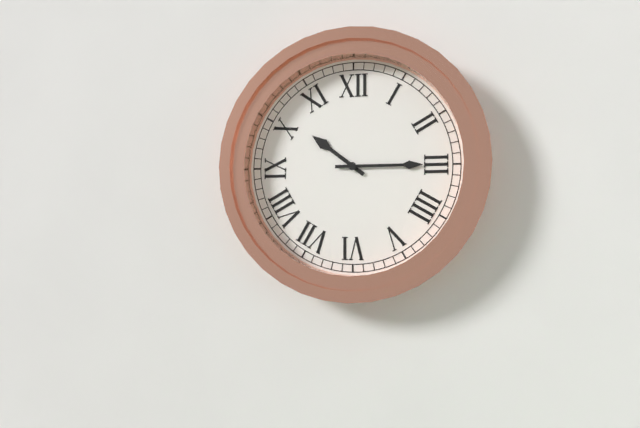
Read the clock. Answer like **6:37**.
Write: **10:15**
